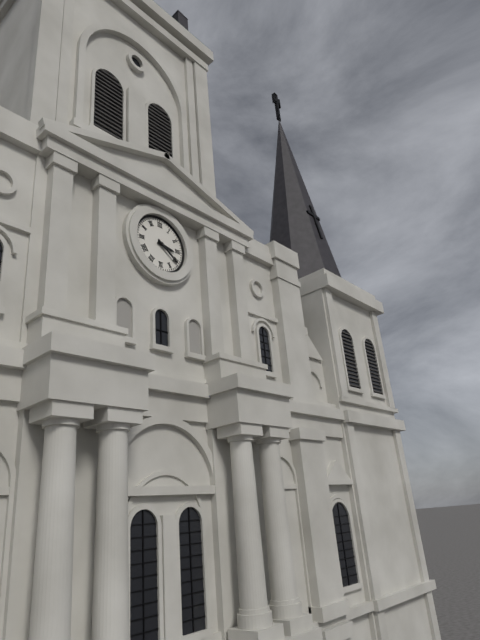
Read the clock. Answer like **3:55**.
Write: **3:21**
